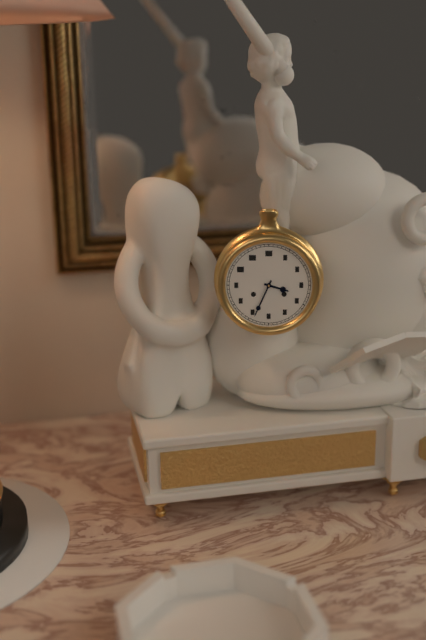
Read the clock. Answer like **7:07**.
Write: **3:34**
